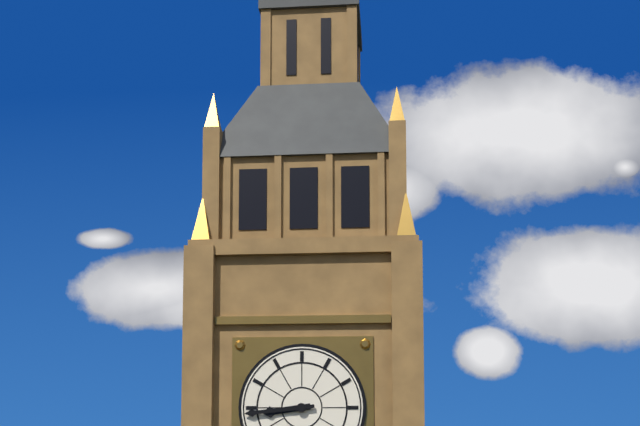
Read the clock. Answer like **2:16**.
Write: **8:44**
